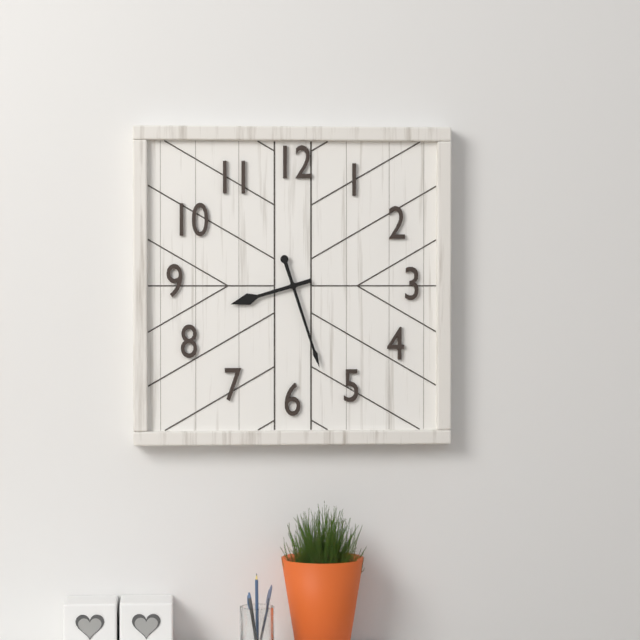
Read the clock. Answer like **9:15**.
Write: **8:27**
